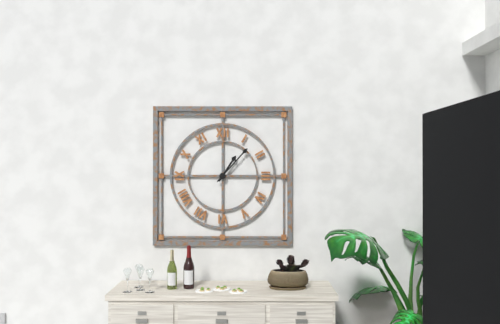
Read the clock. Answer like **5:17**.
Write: **1:07**
